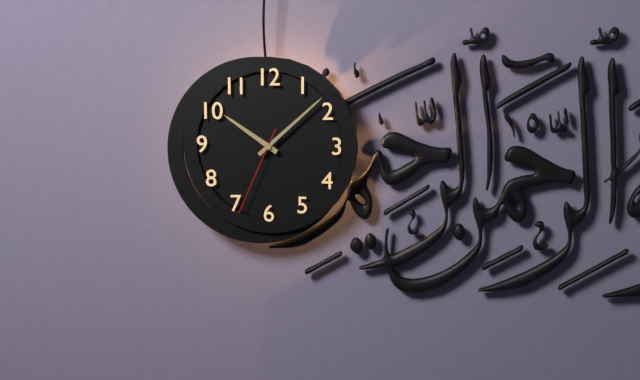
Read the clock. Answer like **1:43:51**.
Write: **10:08:34**
